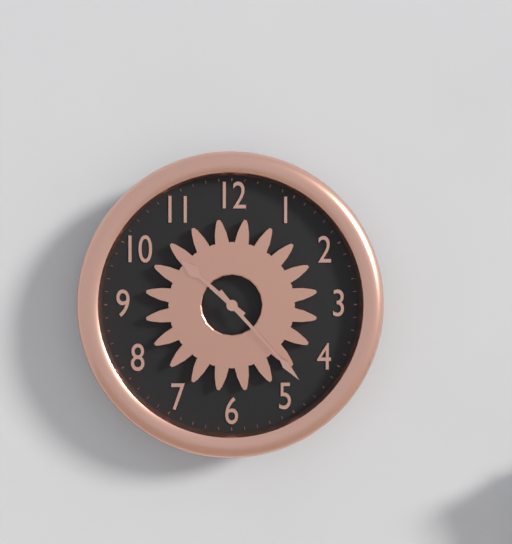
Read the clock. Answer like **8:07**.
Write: **10:23**
